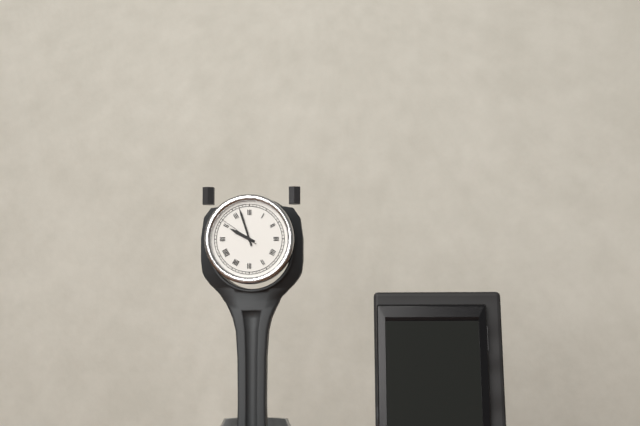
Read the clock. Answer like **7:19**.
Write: **9:57**
